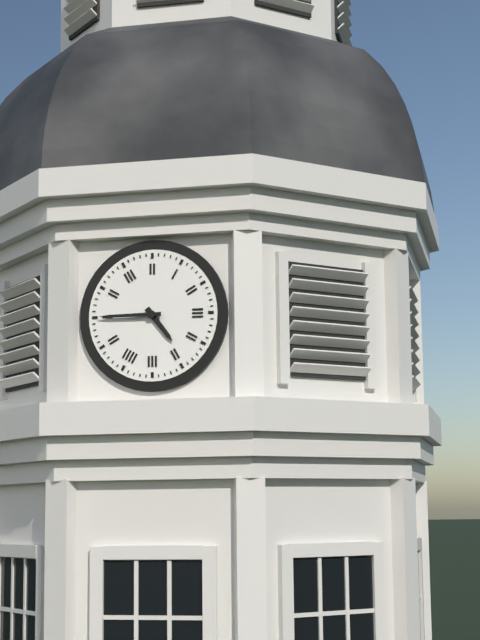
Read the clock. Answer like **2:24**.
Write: **4:45**
